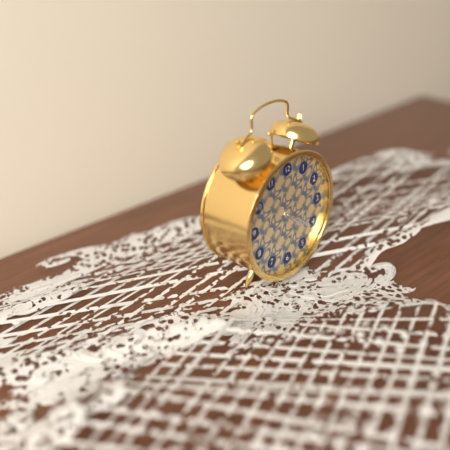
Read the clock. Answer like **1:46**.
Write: **4:21**
